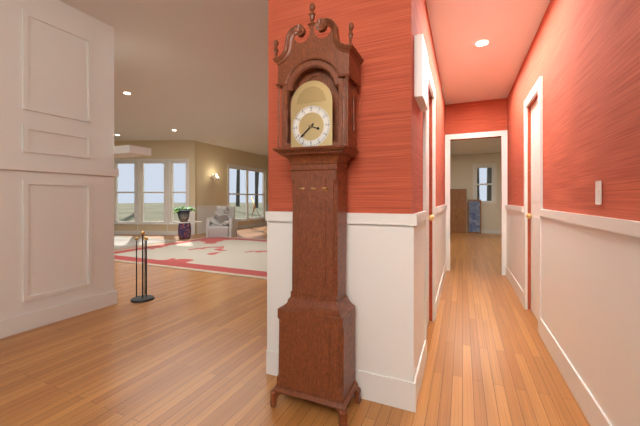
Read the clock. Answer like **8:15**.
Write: **3:38**
